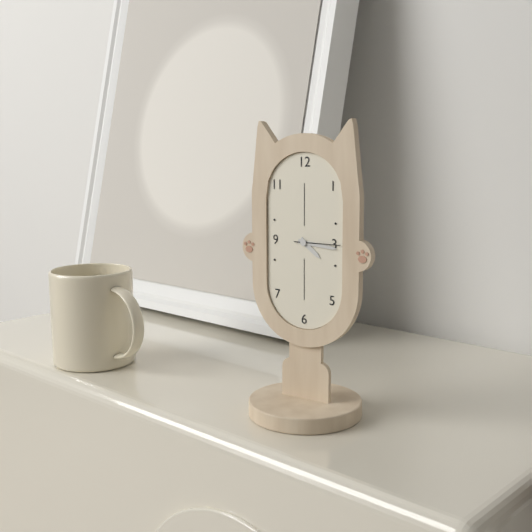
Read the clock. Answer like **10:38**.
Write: **4:16**
